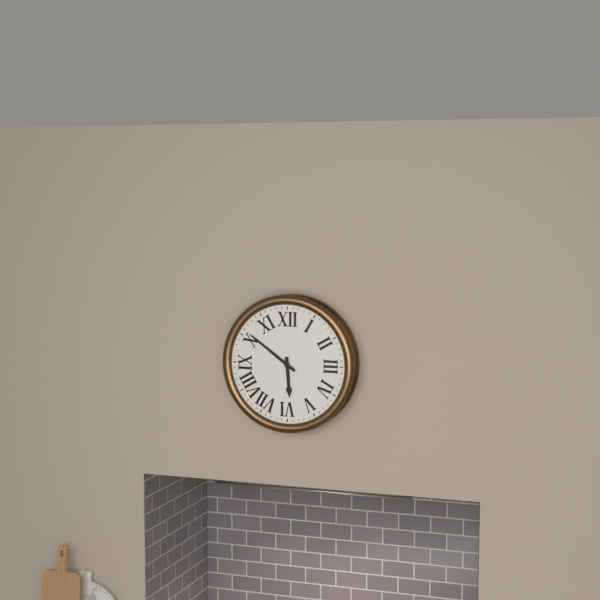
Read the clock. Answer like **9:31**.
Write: **5:51**
